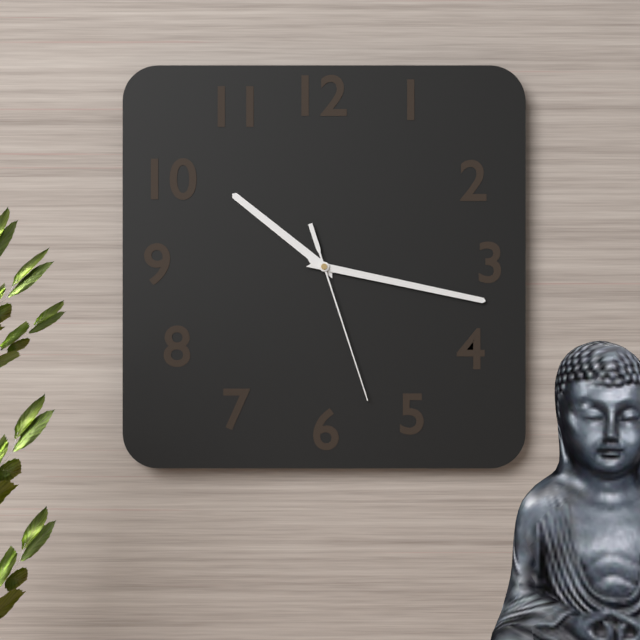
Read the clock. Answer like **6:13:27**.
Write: **10:17:27**
